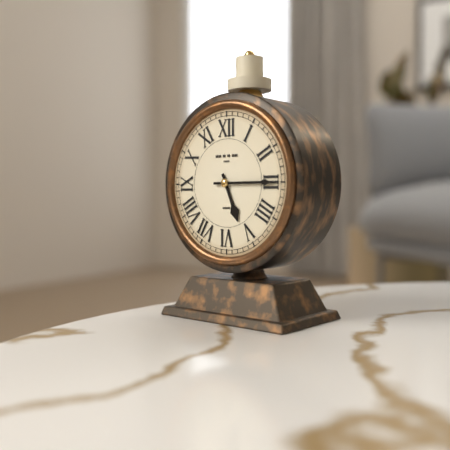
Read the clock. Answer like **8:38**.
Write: **5:15**
